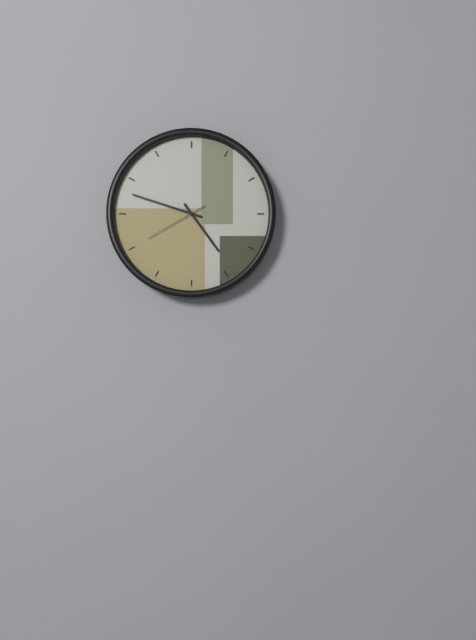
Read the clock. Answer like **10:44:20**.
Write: **4:48:40**
